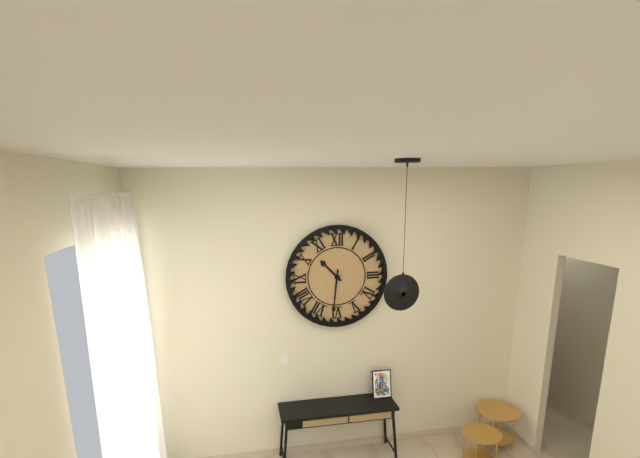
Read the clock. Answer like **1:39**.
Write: **10:31**
